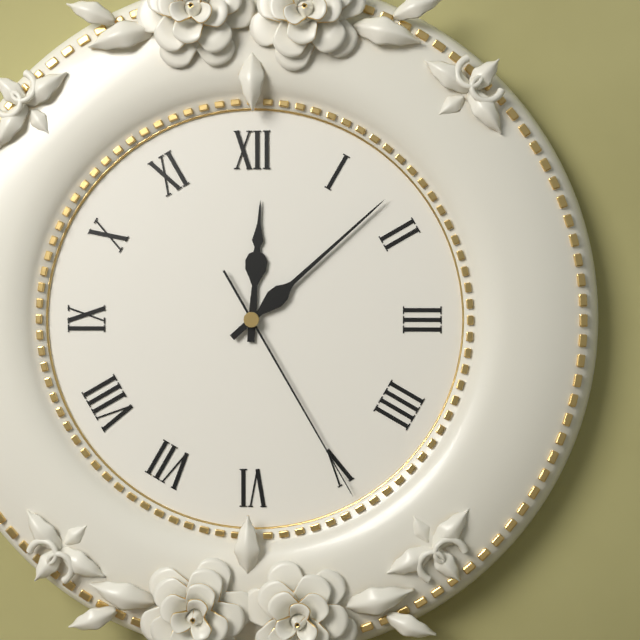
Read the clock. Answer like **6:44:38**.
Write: **12:08:25**
